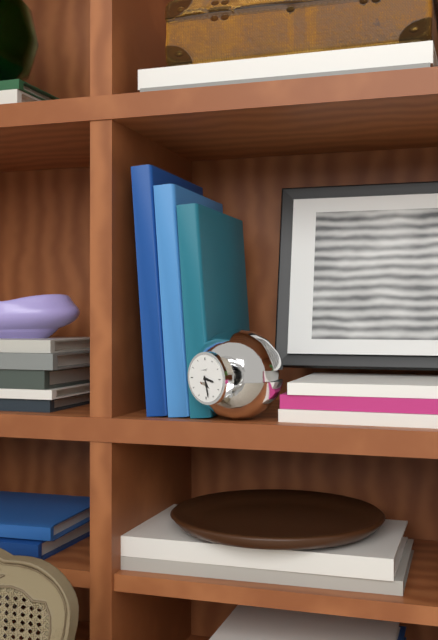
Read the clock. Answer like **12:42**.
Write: **3:28**
